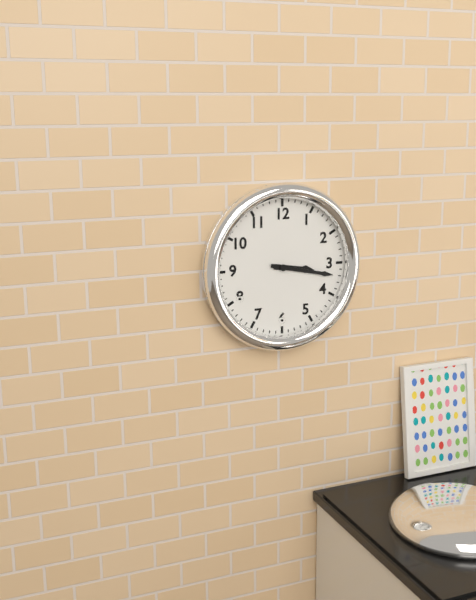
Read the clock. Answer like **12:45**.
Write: **3:17**
